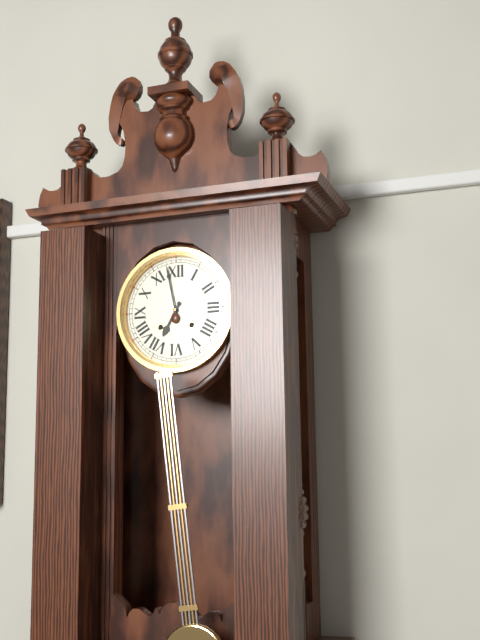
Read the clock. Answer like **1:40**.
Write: **6:58**
